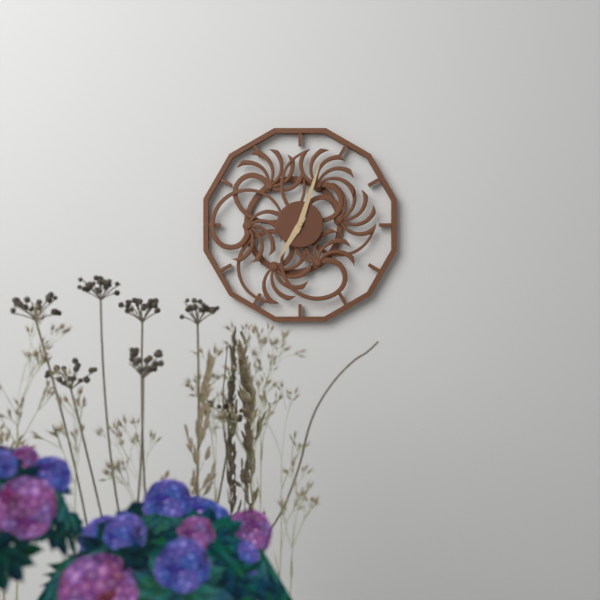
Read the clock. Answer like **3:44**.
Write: **7:03**
